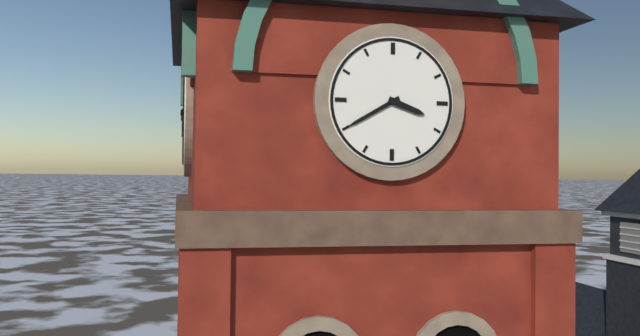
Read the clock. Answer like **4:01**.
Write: **3:40**
